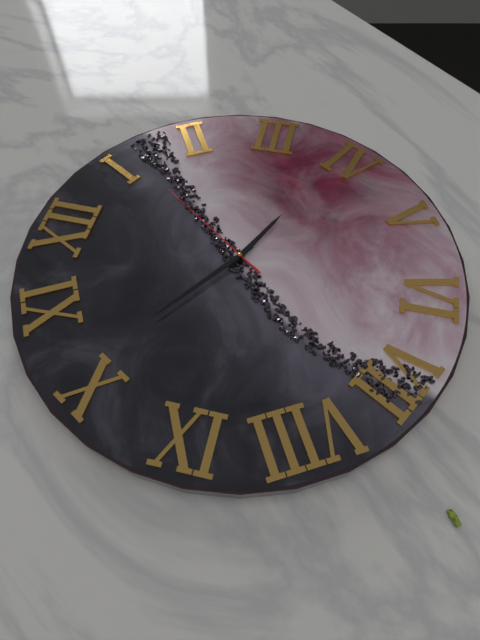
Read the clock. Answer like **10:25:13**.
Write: **3:51:06**
